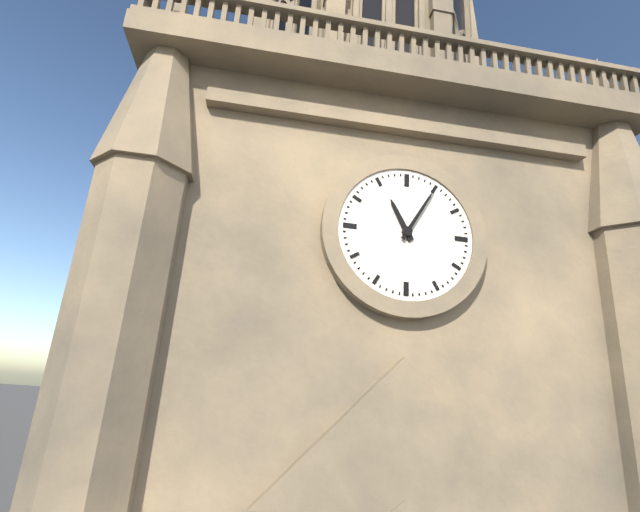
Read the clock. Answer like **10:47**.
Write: **11:05**
